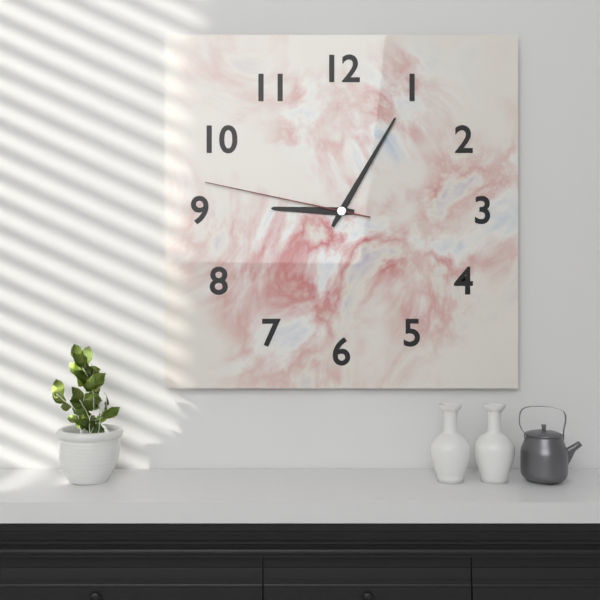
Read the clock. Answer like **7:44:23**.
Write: **9:05:47**
